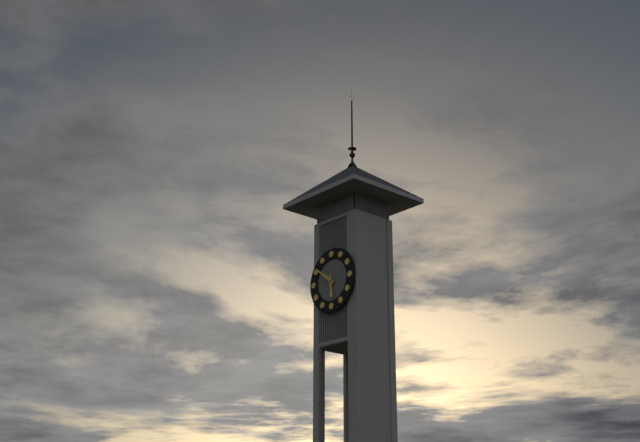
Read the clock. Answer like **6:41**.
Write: **5:51**
